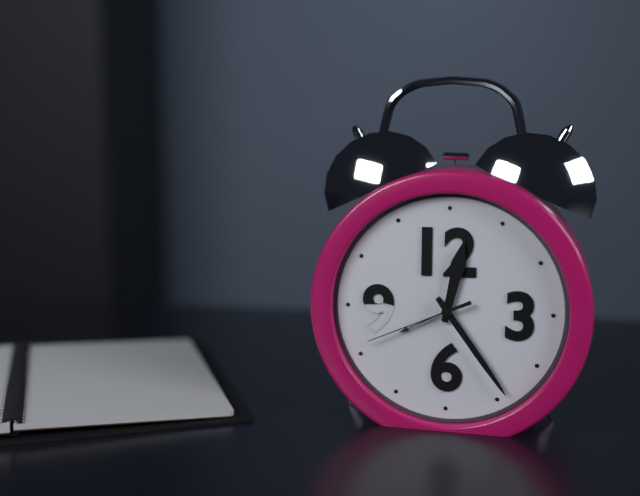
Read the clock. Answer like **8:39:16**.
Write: **12:24:41**
